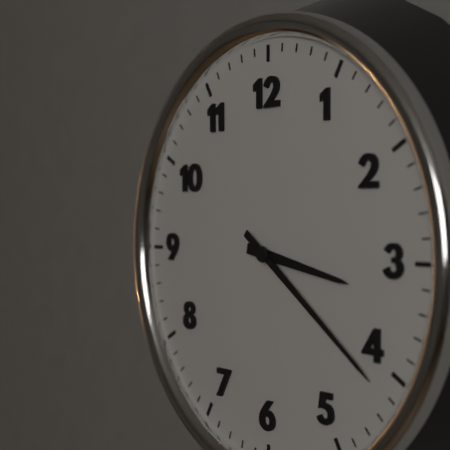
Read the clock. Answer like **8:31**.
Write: **3:21**
